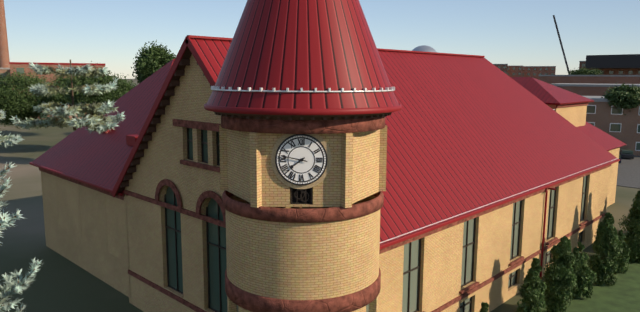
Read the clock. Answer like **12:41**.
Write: **7:47**
